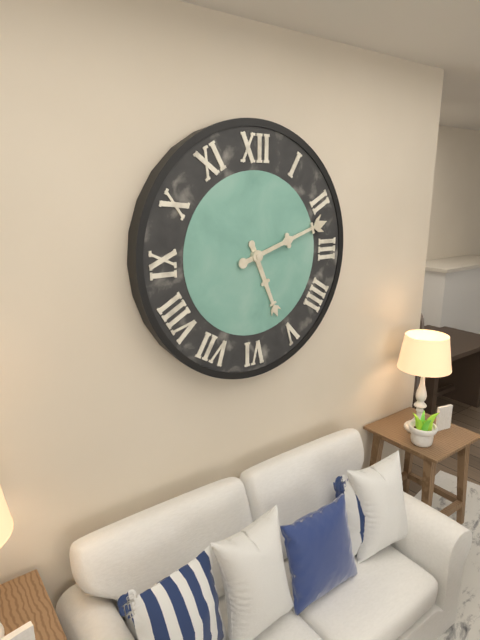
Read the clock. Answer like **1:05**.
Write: **5:12**
